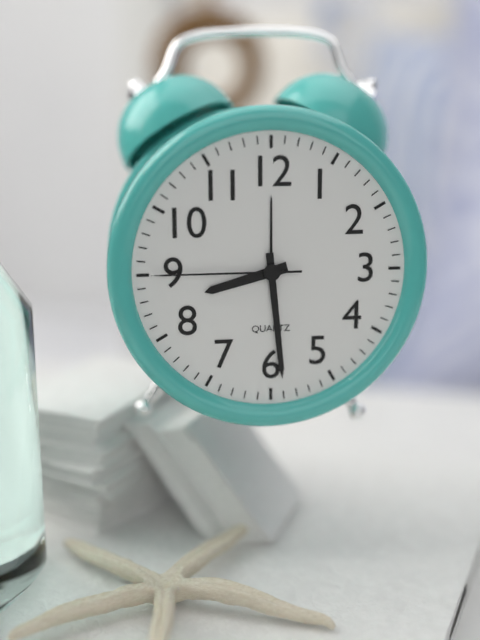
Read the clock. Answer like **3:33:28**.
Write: **8:29:45**
